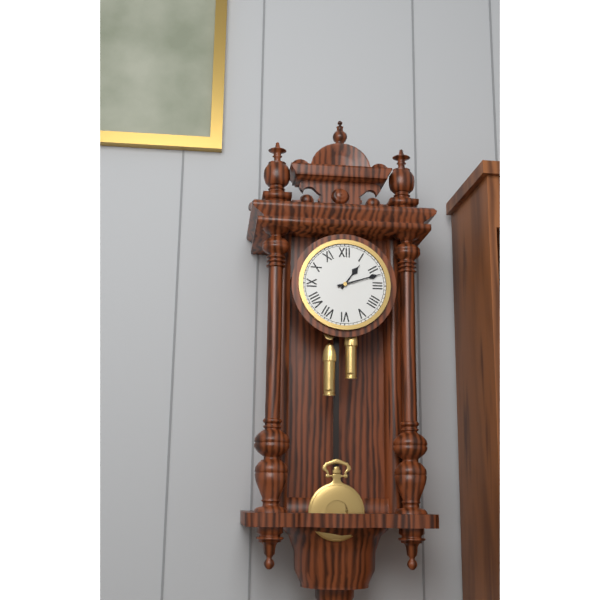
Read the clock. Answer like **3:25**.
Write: **1:12**
